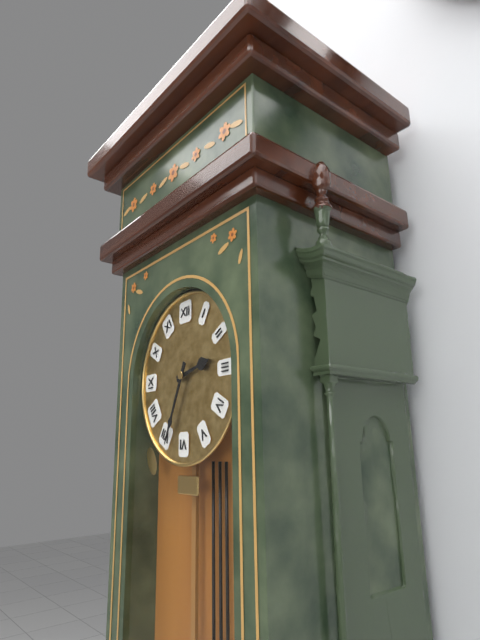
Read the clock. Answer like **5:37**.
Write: **2:34**
